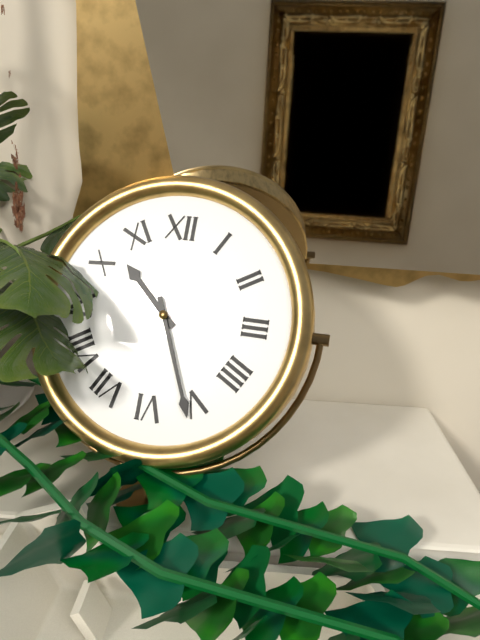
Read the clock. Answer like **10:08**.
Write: **10:26**
